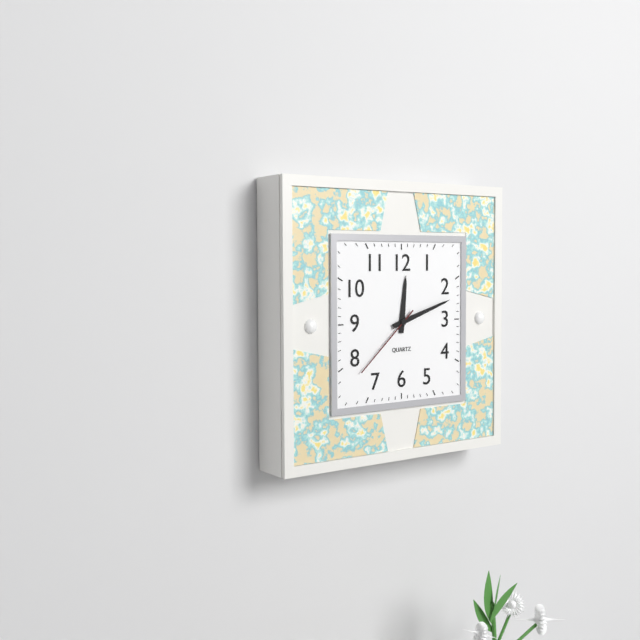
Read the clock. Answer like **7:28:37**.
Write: **12:12:38**
